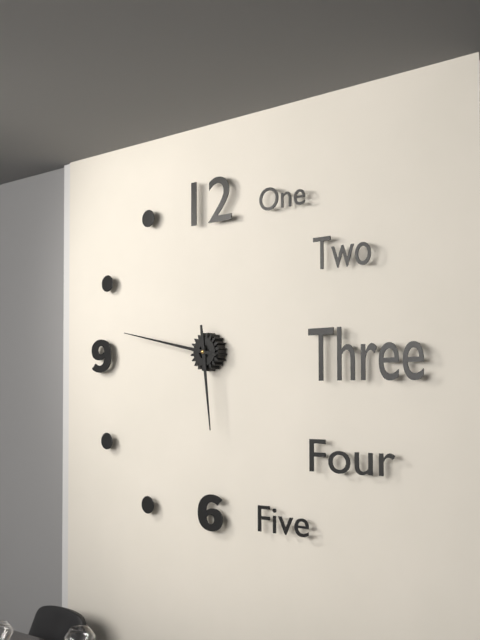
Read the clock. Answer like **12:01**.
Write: **5:47**
